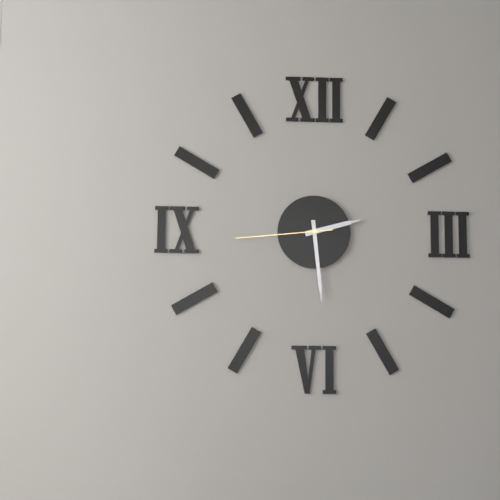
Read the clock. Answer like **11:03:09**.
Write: **2:29:44**
